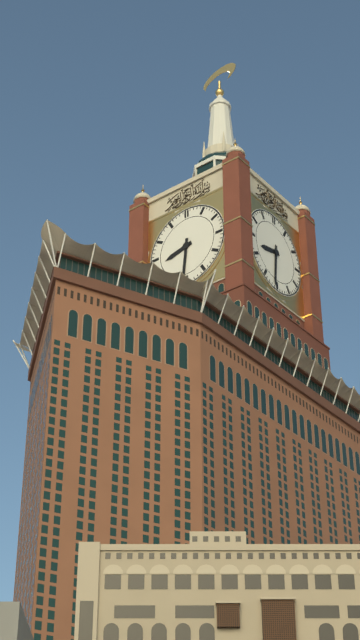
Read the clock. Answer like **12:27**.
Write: **8:31**
